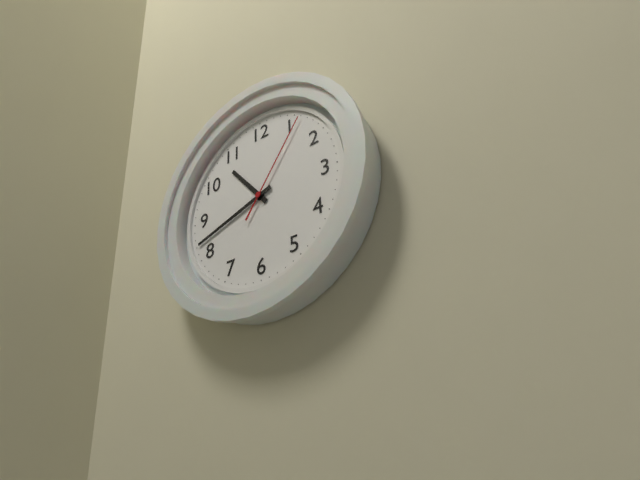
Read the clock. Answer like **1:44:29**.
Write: **10:42:06**
